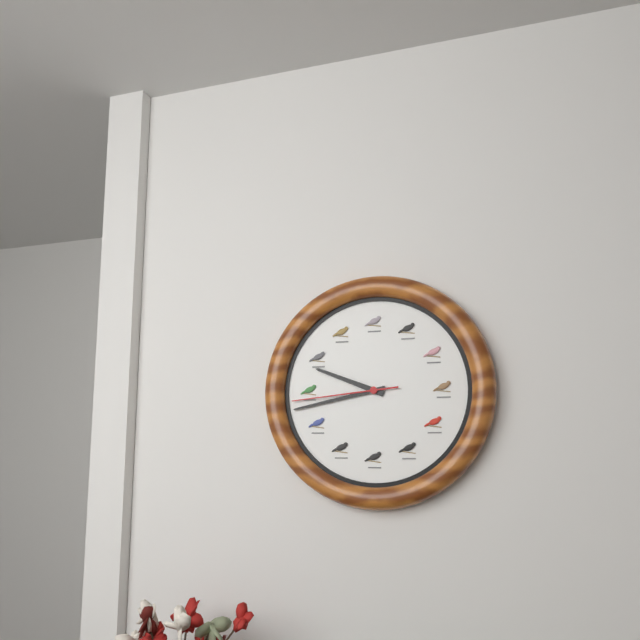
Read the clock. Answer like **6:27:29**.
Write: **9:43:44**
